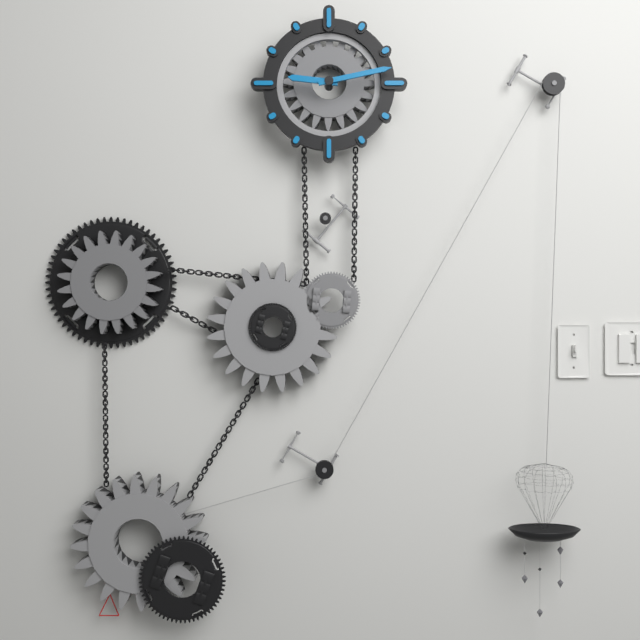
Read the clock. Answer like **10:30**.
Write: **9:13**
